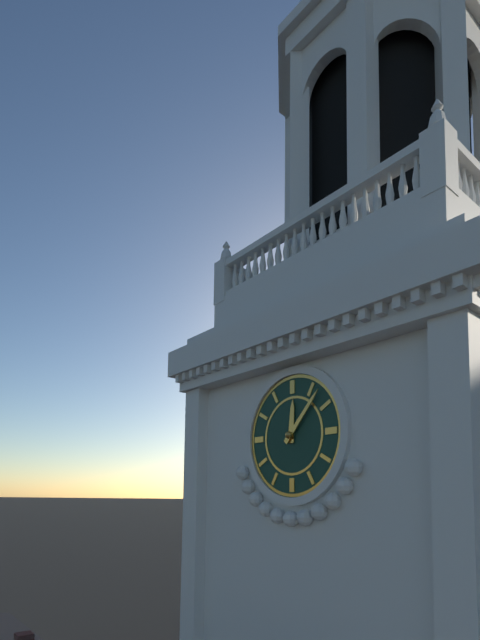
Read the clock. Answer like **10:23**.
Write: **12:07**
